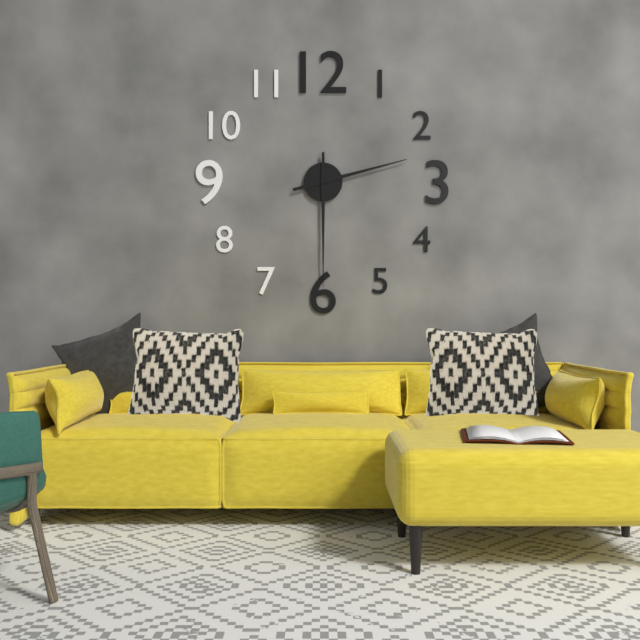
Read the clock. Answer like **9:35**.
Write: **2:30**
